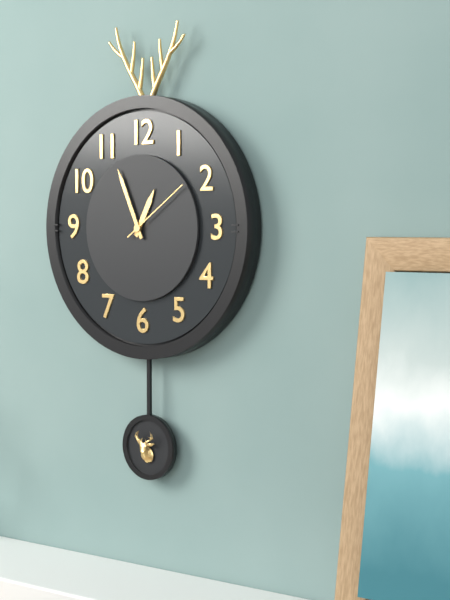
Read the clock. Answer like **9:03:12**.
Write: **12:56:09**
